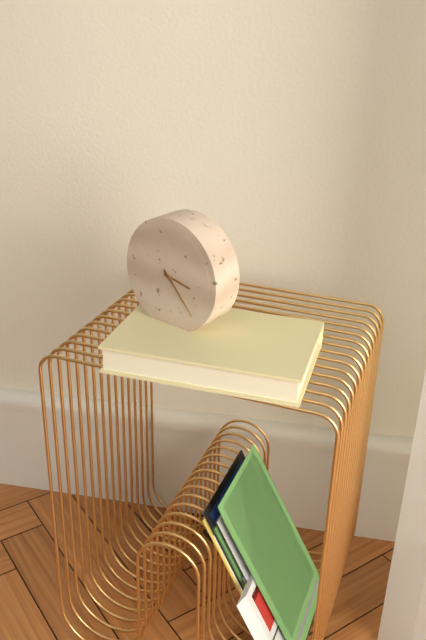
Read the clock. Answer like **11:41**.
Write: **3:23**
